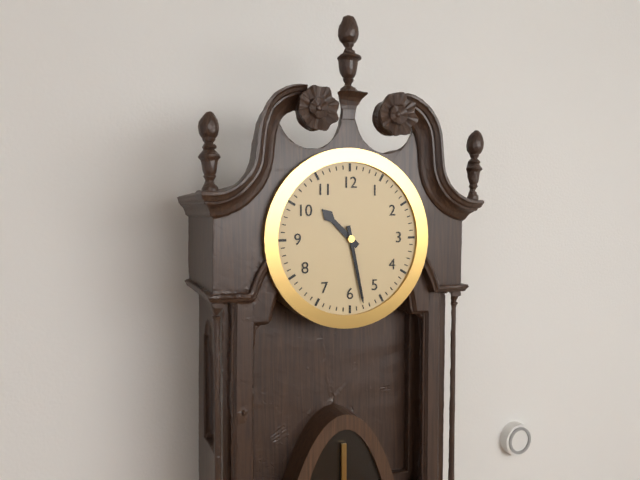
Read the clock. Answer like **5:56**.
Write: **10:28**
